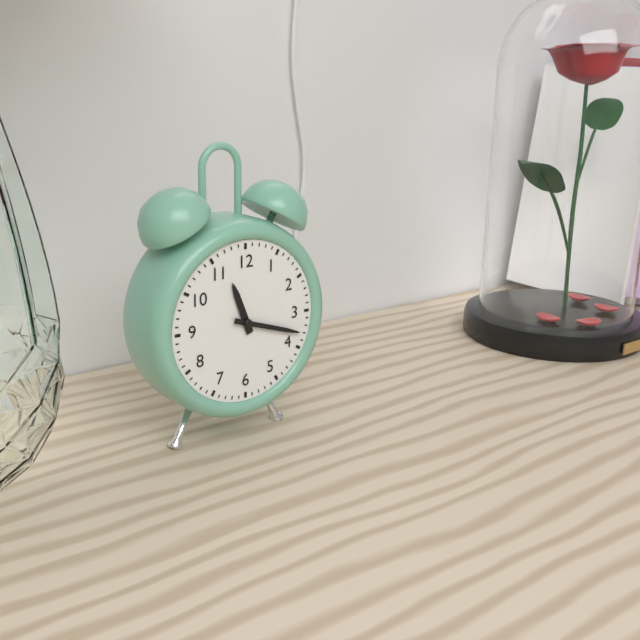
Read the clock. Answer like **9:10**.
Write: **11:18**
